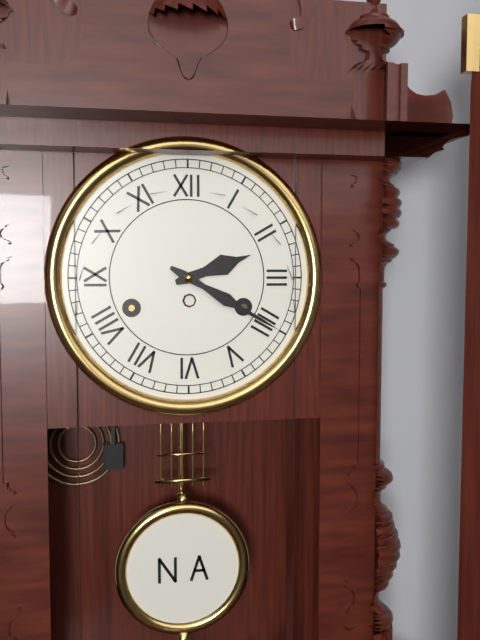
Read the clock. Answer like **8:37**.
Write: **2:20**
